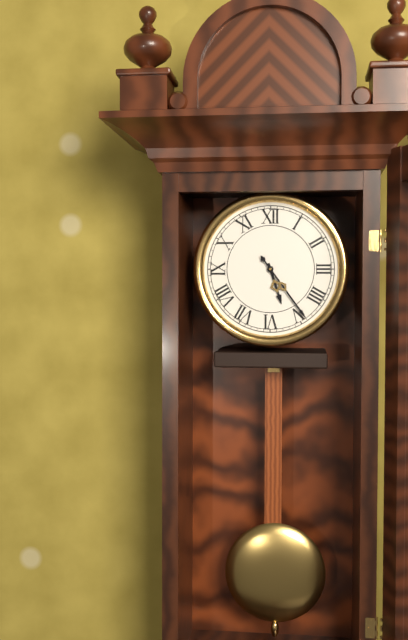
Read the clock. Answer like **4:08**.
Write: **5:24**
